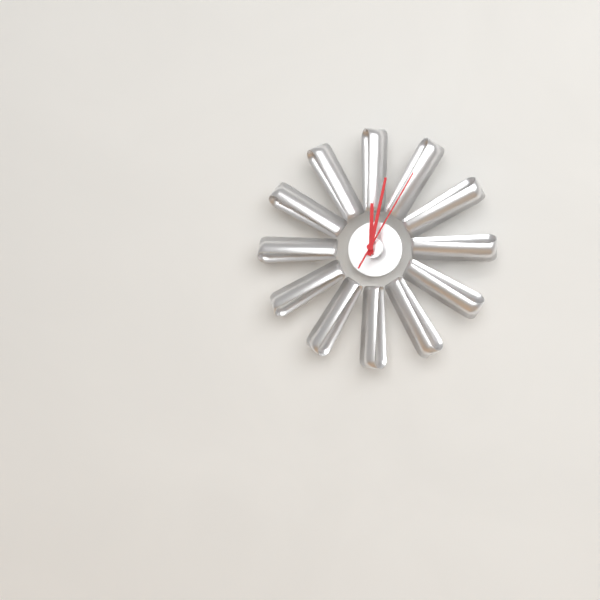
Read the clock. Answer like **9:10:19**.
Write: **12:02:05**
